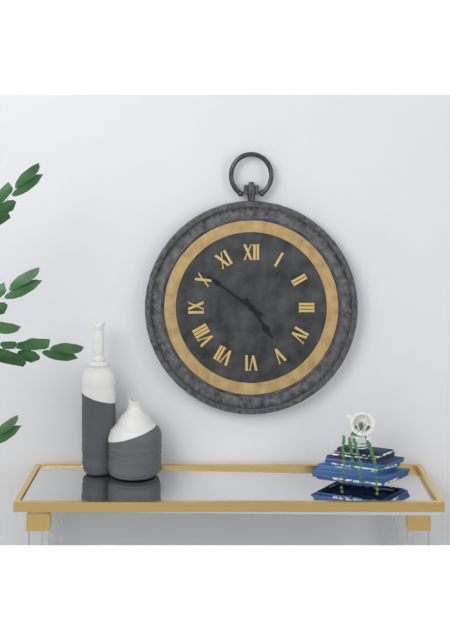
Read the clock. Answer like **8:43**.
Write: **4:51**
